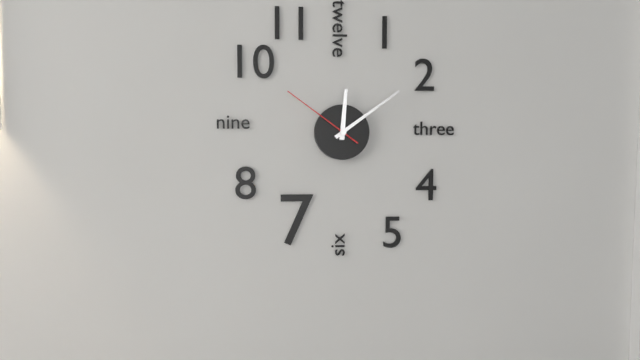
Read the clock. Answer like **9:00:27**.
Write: **12:09:51**
